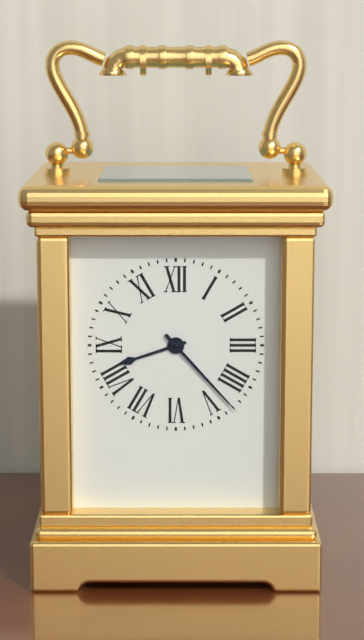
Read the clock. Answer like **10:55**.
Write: **8:23**
